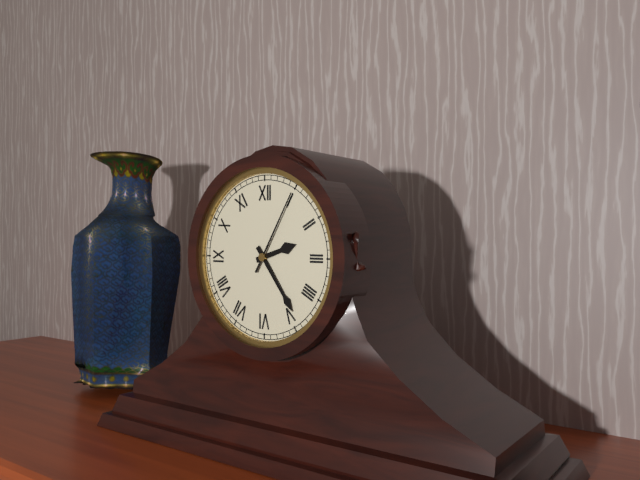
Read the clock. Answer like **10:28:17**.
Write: **2:24:05**
